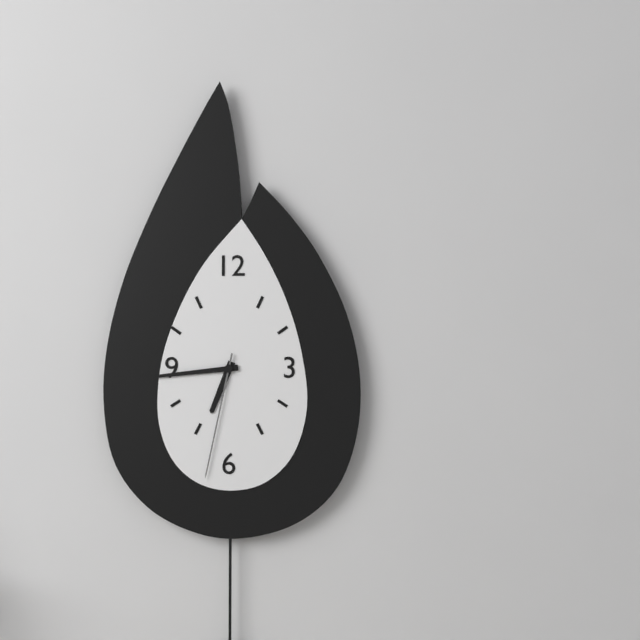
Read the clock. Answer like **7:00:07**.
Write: **6:44:32**
